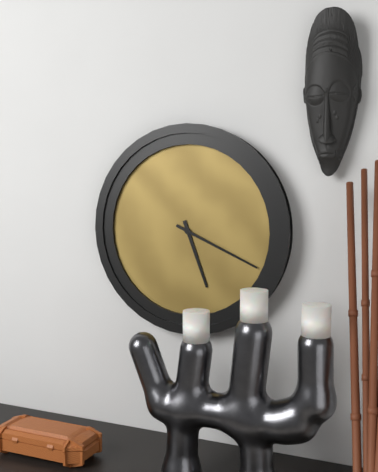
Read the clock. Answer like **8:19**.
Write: **5:19**
